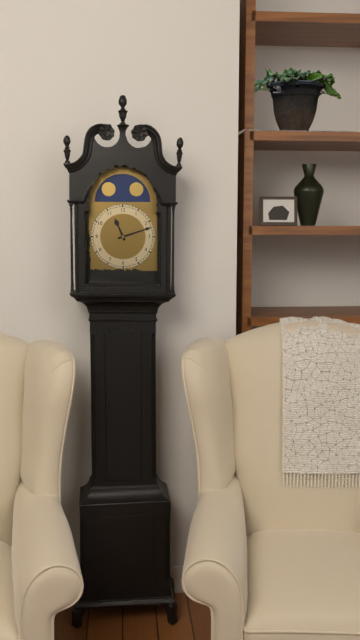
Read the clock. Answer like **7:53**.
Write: **11:12**
